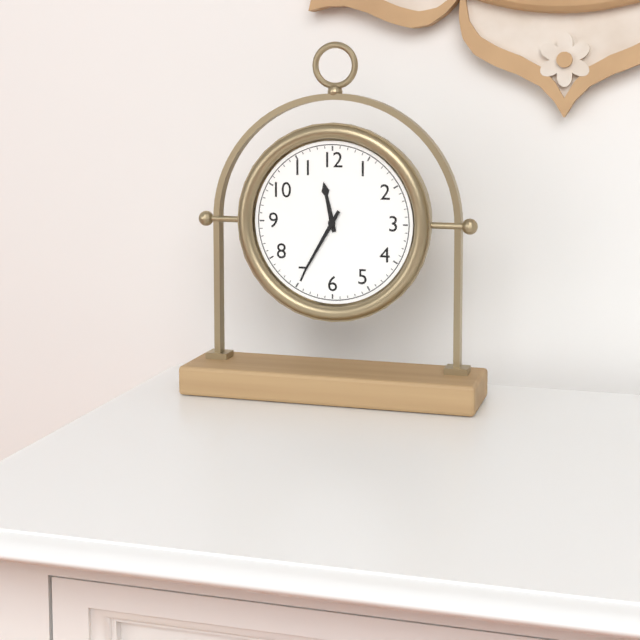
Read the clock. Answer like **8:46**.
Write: **11:35**
